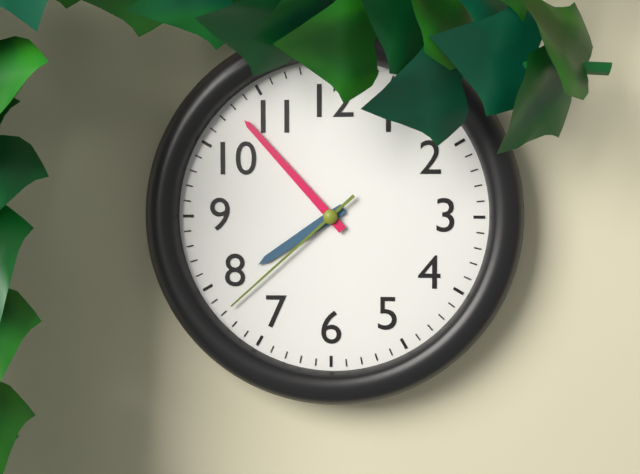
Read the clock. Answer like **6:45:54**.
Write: **7:53:38**
